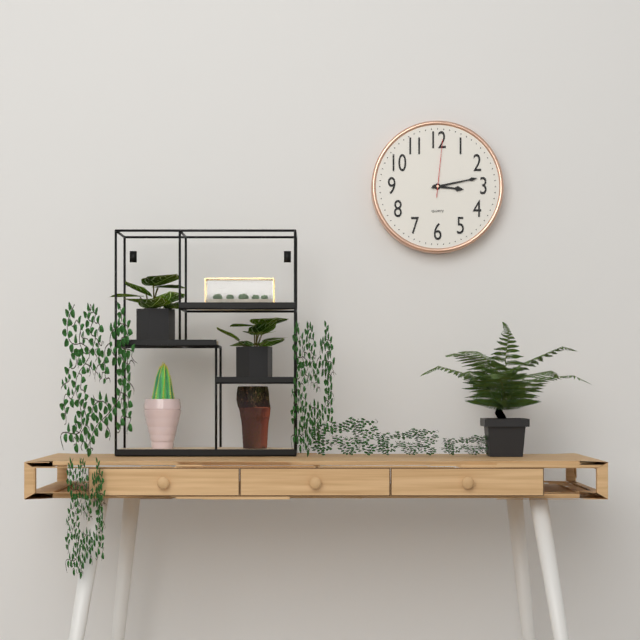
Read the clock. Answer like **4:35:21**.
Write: **3:13:01**
